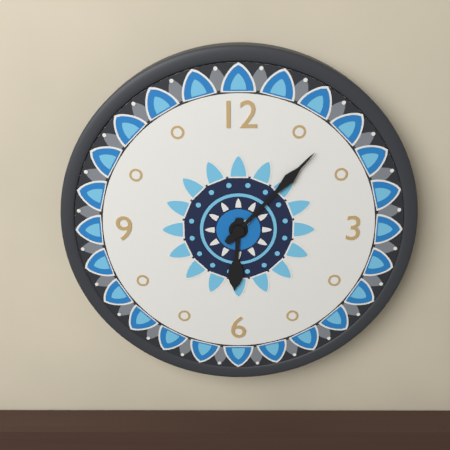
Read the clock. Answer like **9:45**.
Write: **6:07**
